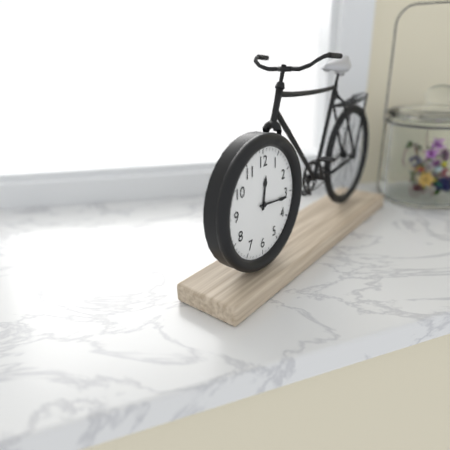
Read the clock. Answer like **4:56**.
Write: **12:16**
